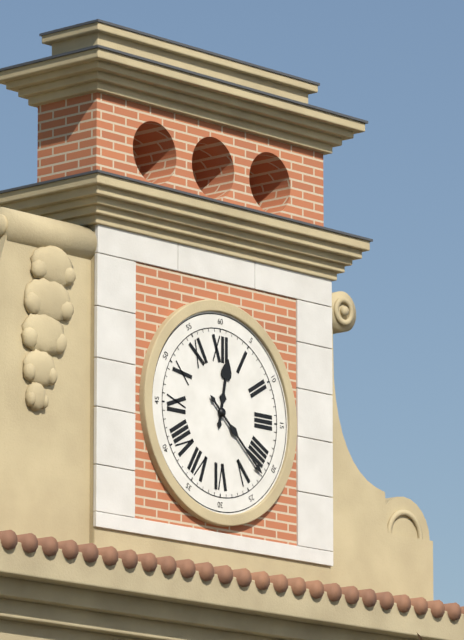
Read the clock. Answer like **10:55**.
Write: **12:22**
